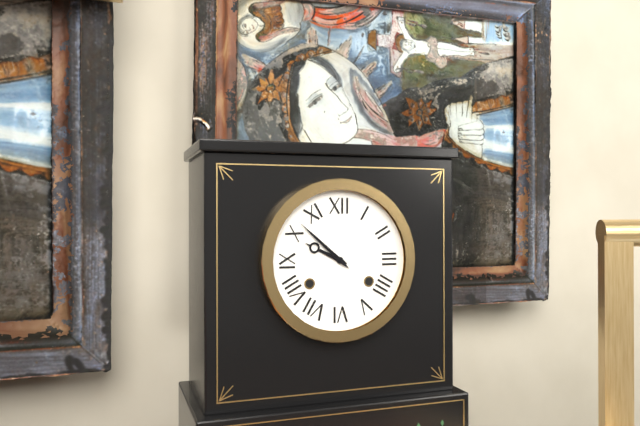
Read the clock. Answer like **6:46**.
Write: **9:52**
